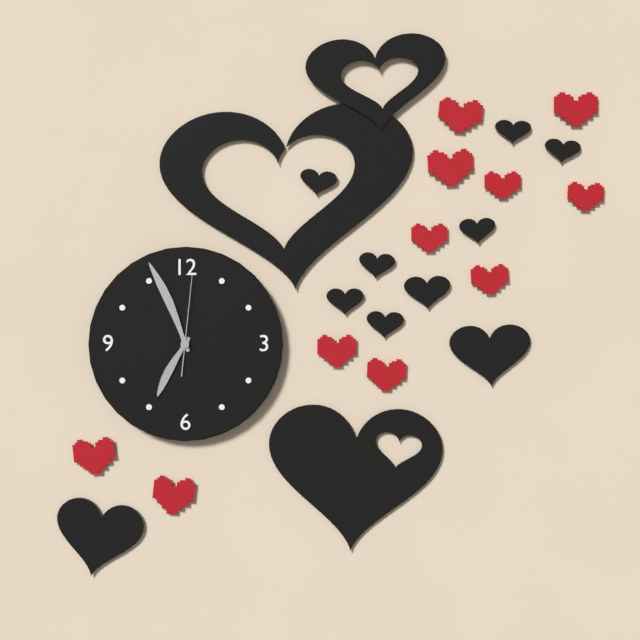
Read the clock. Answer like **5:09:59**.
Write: **6:56:01**
